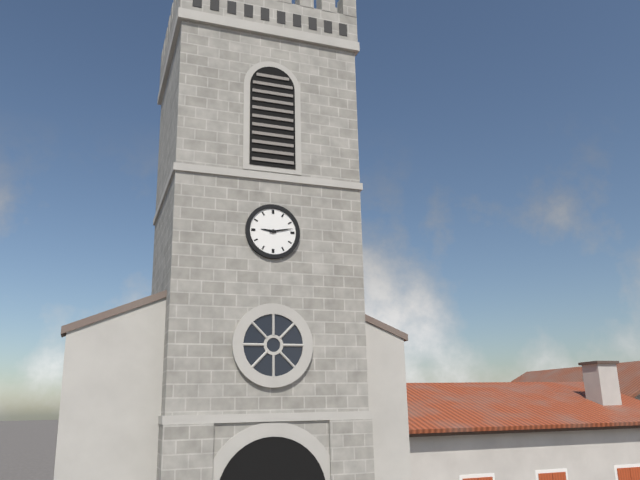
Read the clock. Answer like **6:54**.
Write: **9:13**
